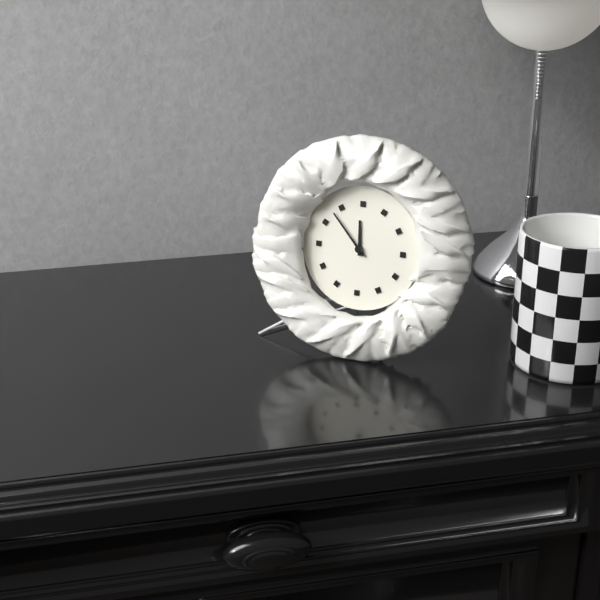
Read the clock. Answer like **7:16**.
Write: **11:53**
